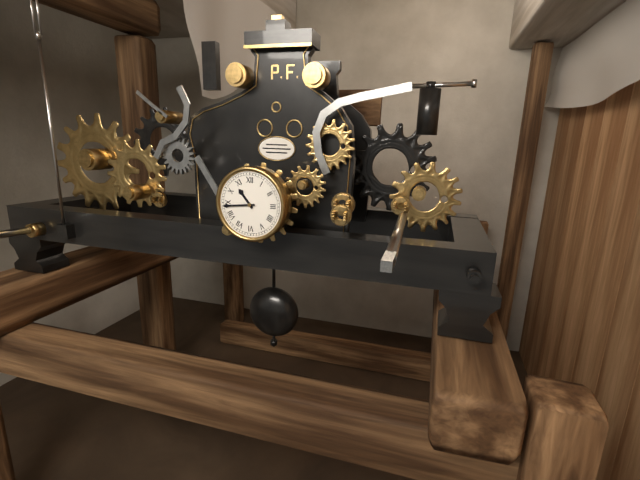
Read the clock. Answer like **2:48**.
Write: **10:44**
